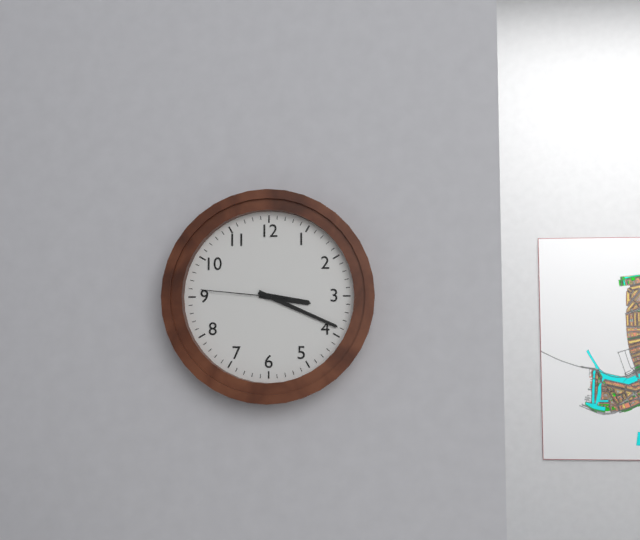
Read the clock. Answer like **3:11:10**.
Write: **3:19:46**
